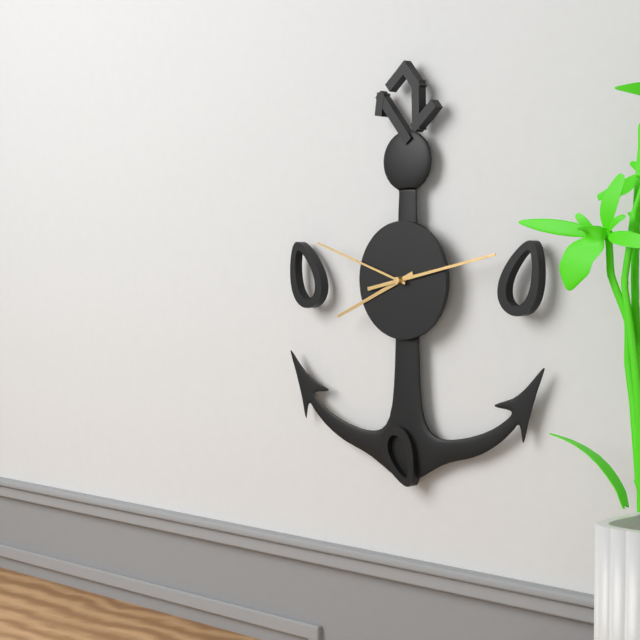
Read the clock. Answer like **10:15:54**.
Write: **8:13:48**
